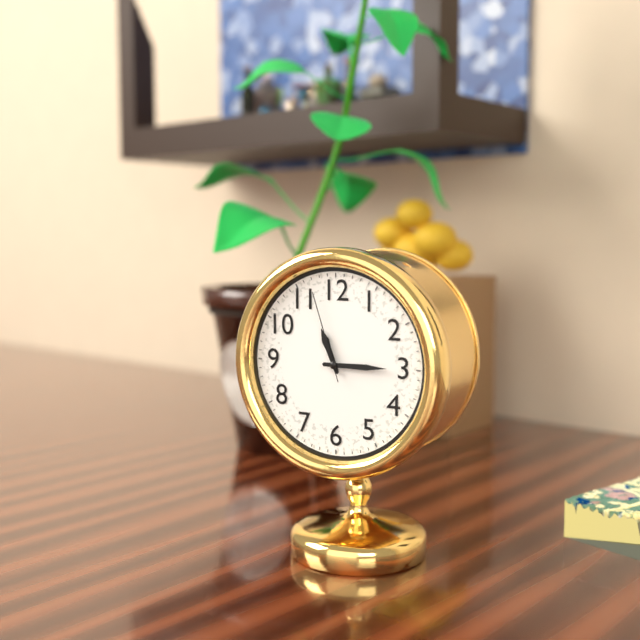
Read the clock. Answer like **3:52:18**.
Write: **11:15:57**
